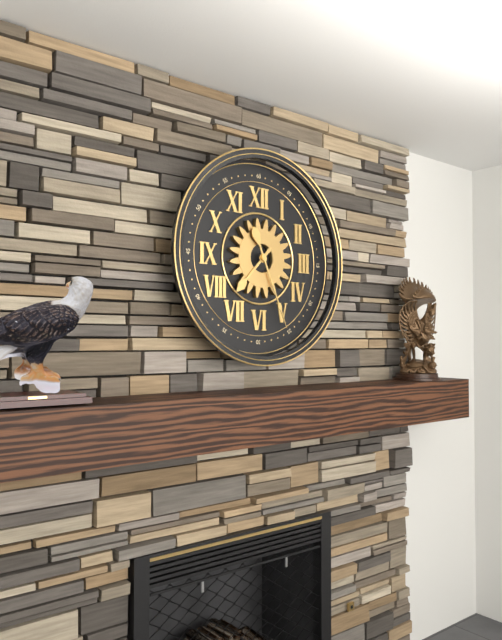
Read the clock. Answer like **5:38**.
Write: **7:26**
